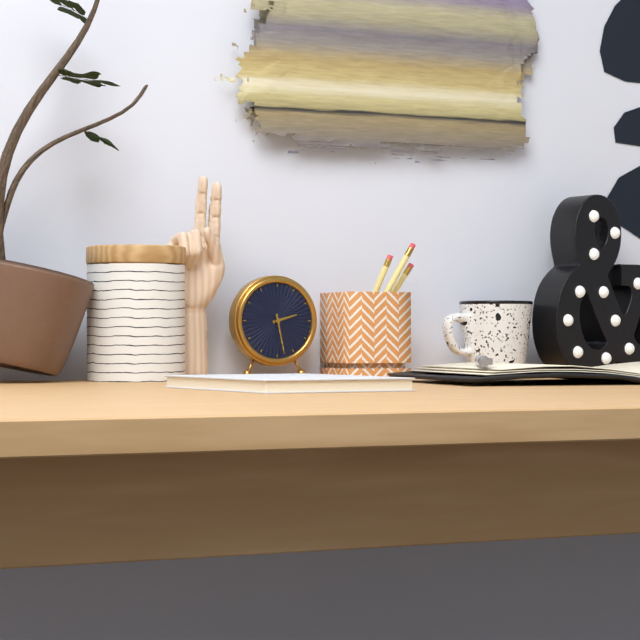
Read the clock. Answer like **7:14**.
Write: **2:28**
